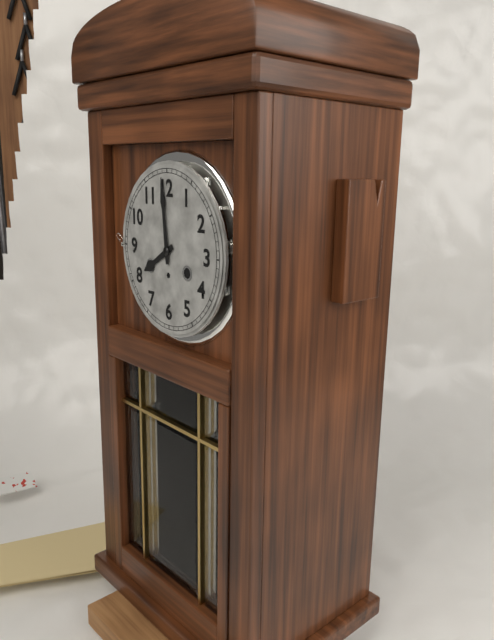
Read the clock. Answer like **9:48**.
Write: **7:59**
